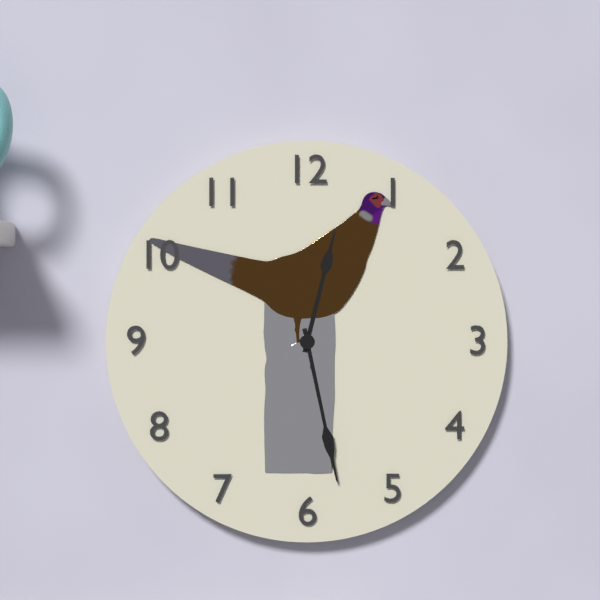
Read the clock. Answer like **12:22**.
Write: **12:28**
